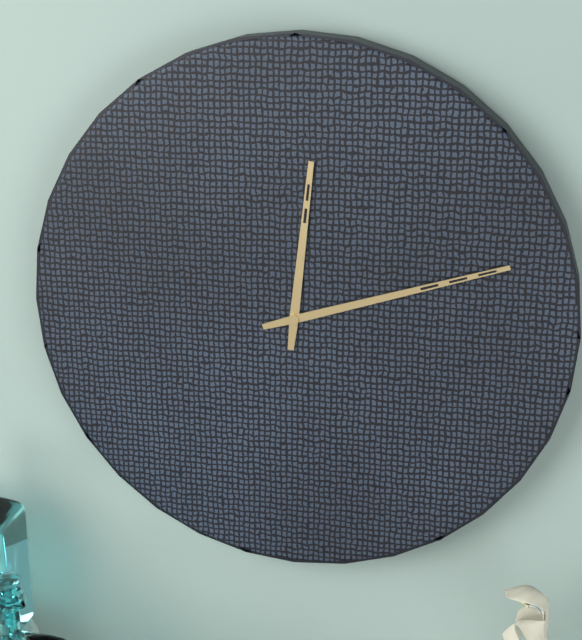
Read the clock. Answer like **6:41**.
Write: **12:12**
